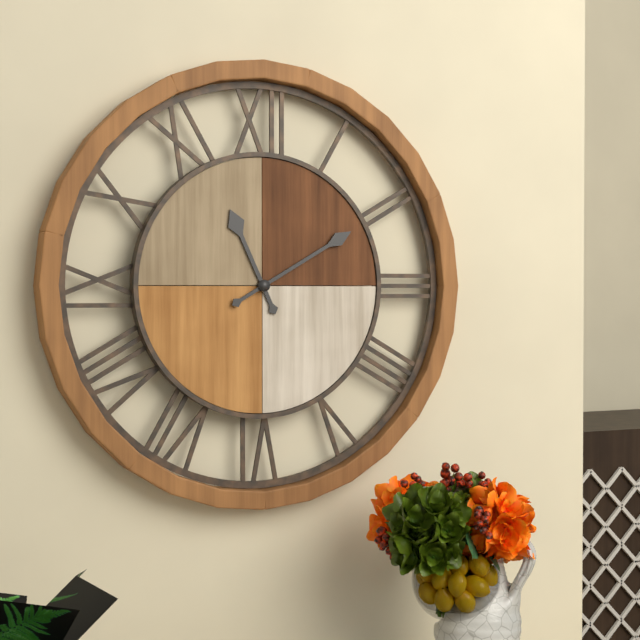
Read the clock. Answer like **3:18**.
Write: **11:10**
